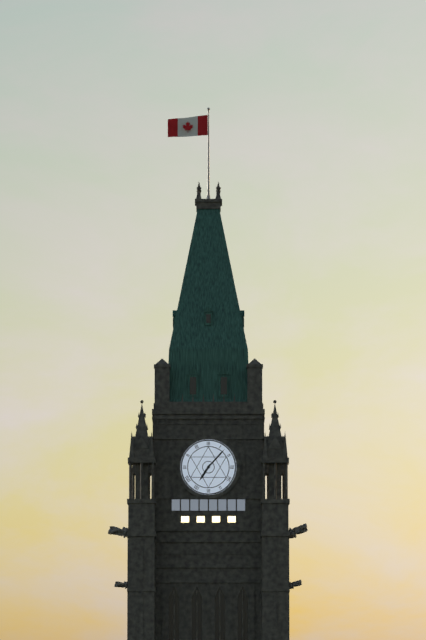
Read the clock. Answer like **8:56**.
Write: **7:07**
